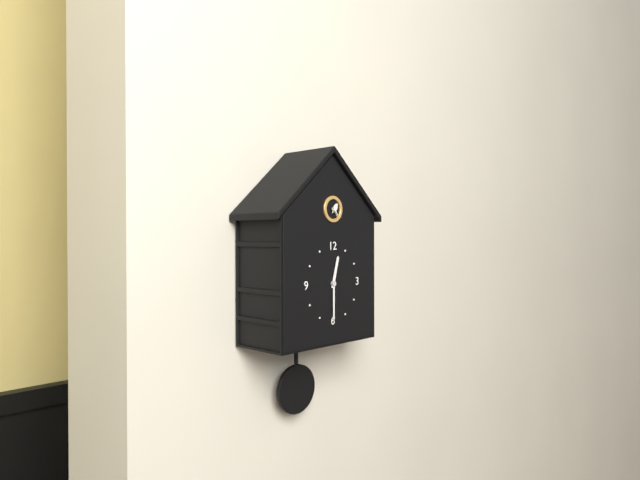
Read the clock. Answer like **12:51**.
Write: **12:30**
